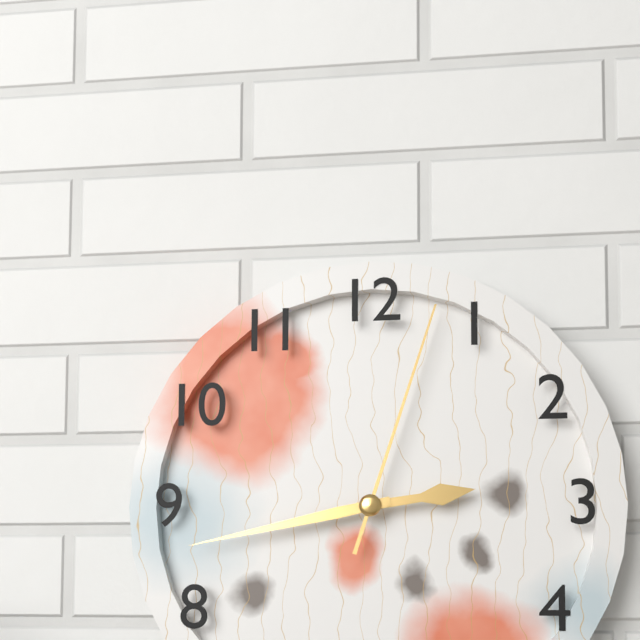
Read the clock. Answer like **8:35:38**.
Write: **2:43:03**
